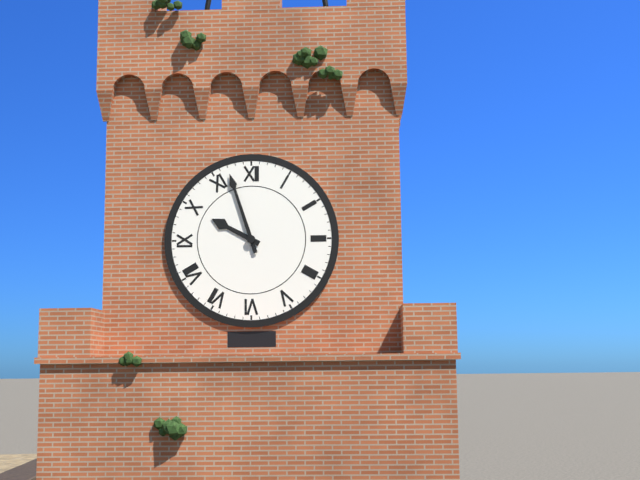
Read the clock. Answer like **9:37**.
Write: **9:57**
